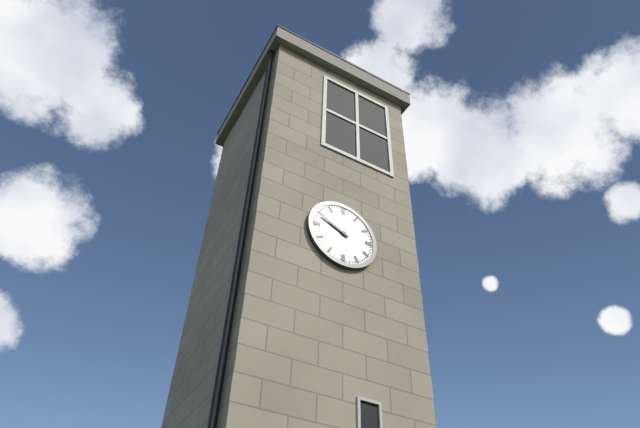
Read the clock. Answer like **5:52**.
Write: **9:49**
